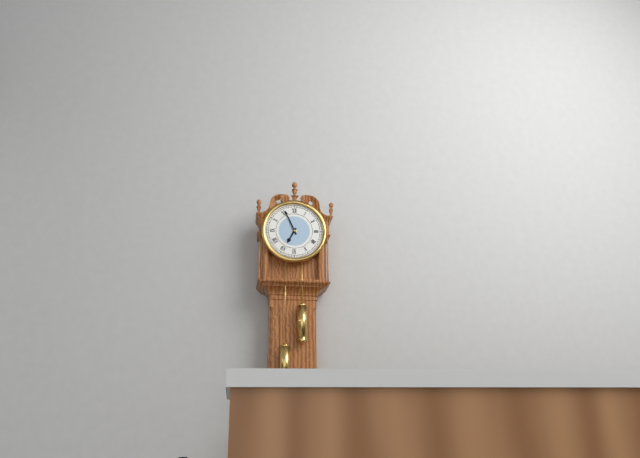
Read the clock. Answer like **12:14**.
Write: **6:56**
